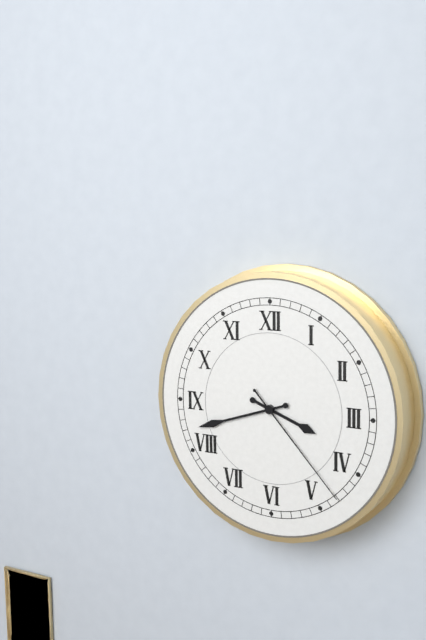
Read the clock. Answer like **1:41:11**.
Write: **3:42:23**
